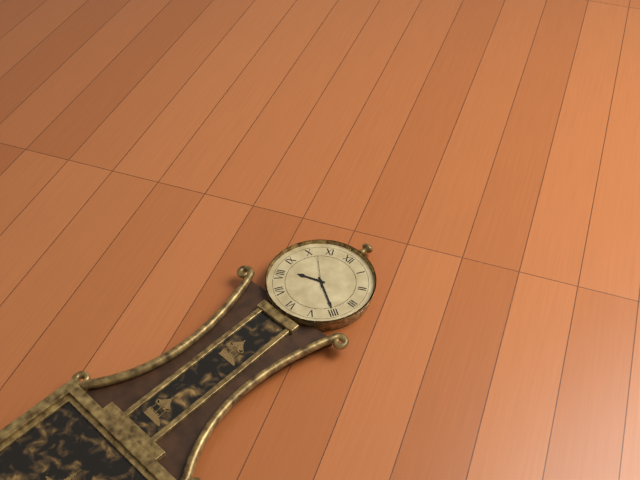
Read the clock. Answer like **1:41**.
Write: **8:20**
